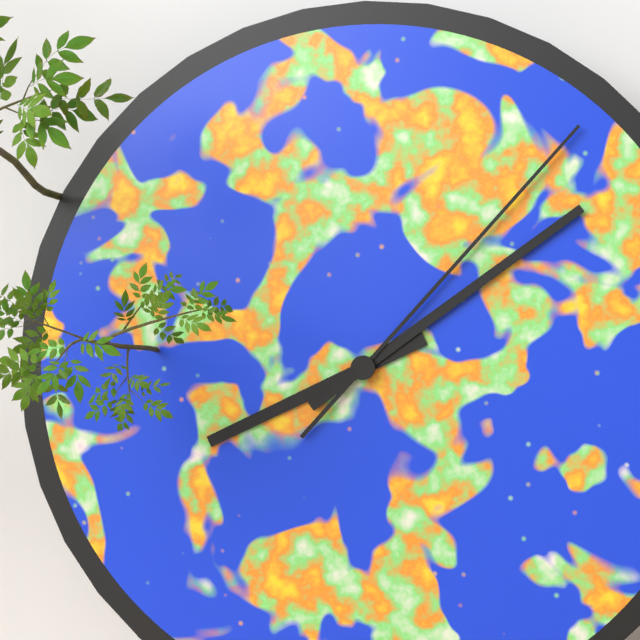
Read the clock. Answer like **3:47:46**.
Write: **8:09:07**
